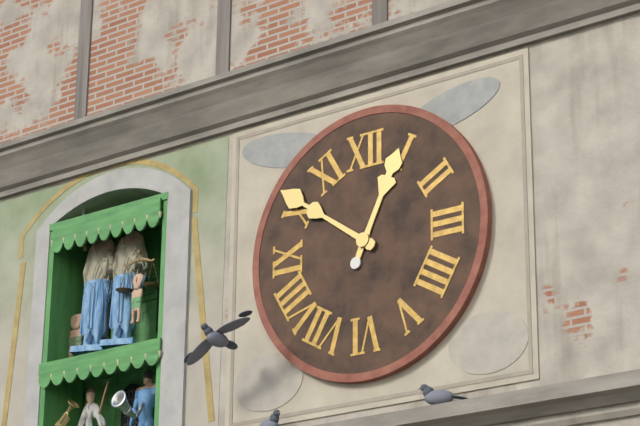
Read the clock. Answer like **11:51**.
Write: **12:51**
